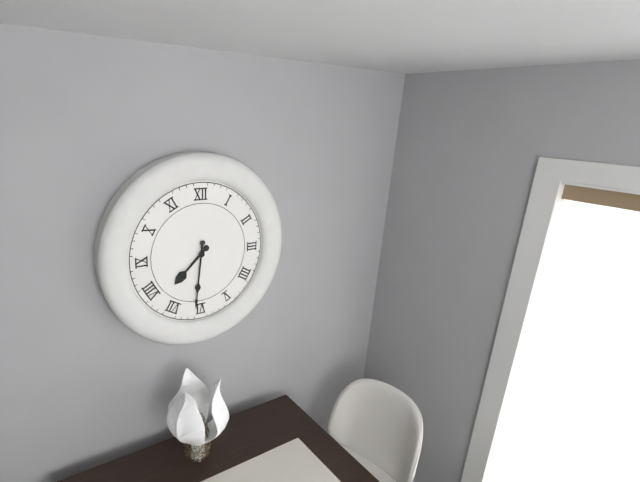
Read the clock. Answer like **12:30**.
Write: **7:31**
